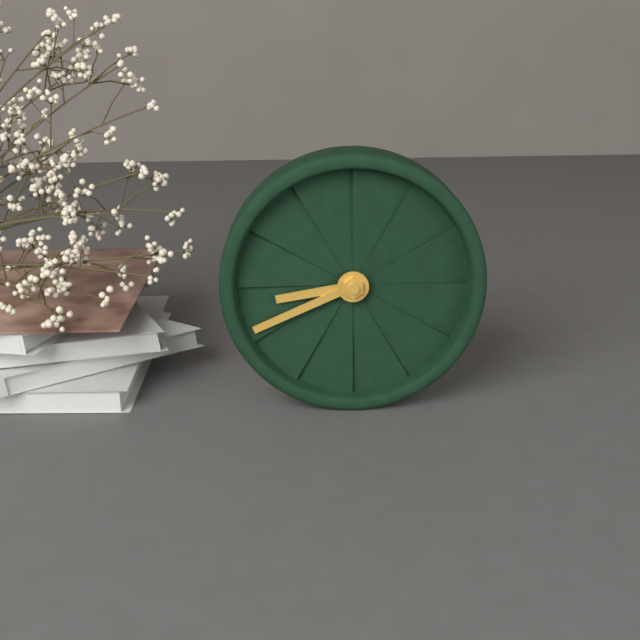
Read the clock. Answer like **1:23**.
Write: **8:41**
